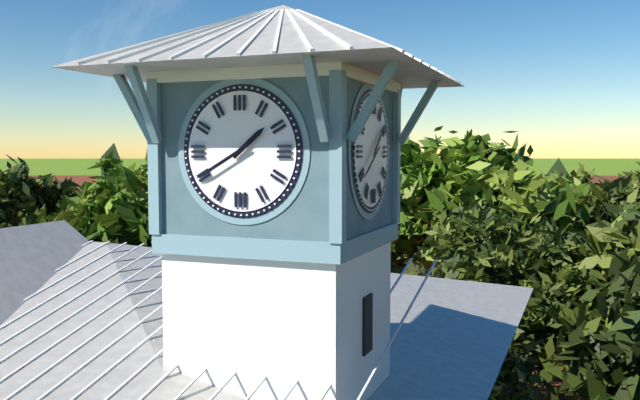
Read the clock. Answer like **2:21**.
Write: **1:40**
